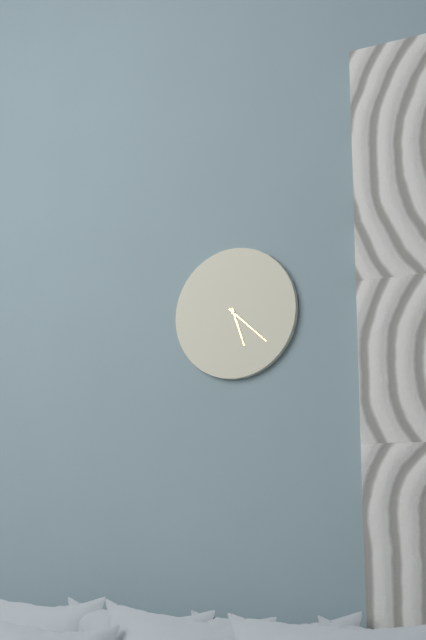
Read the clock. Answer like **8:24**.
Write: **5:22**
